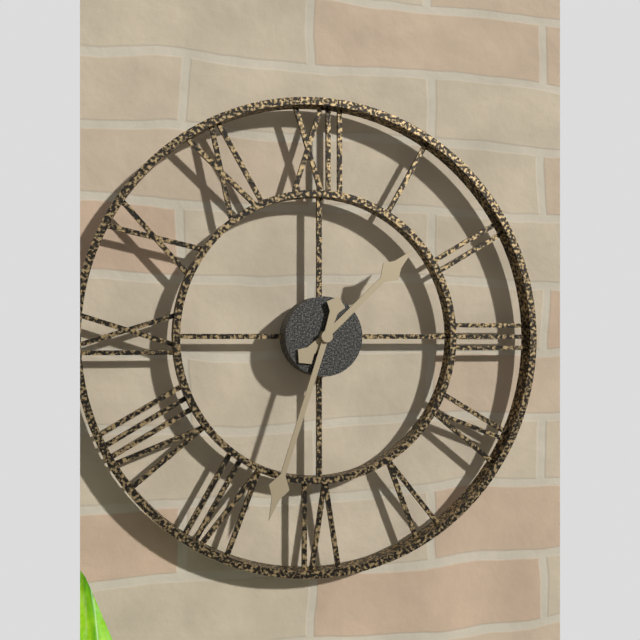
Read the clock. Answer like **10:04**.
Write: **1:33**
